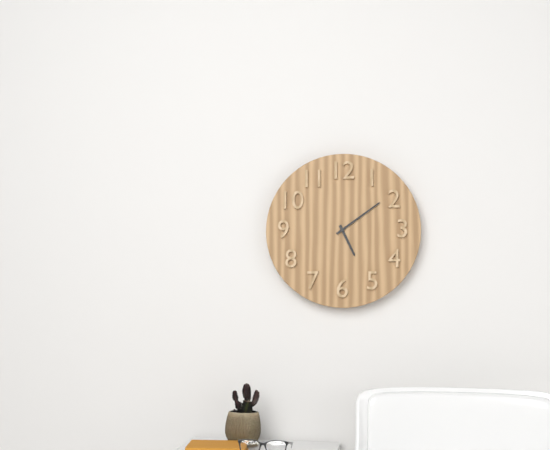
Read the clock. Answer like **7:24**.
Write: **5:09**
